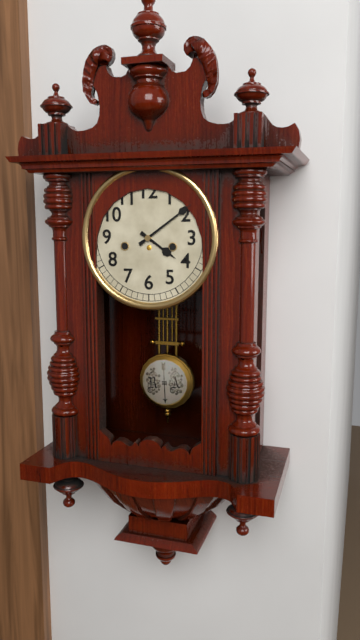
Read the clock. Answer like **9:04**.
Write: **4:09**
